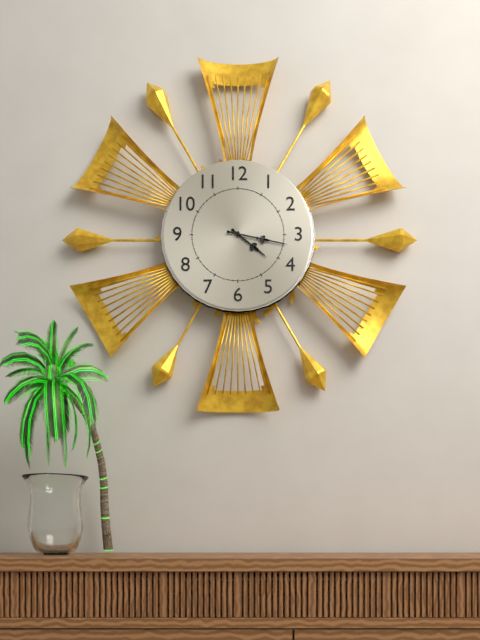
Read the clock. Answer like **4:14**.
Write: **4:17**
